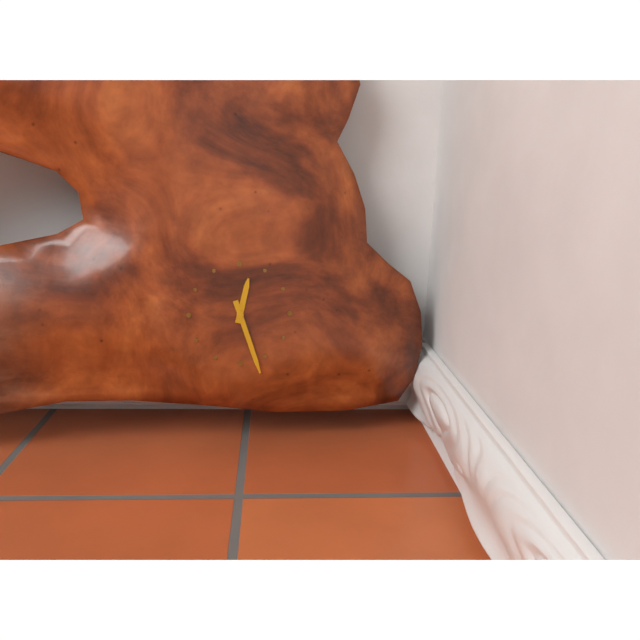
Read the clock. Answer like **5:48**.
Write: **12:27**
